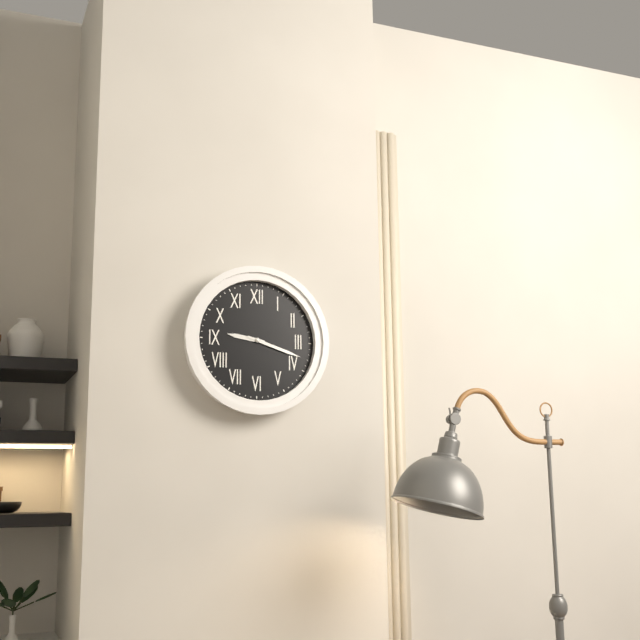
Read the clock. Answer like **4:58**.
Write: **9:18**
